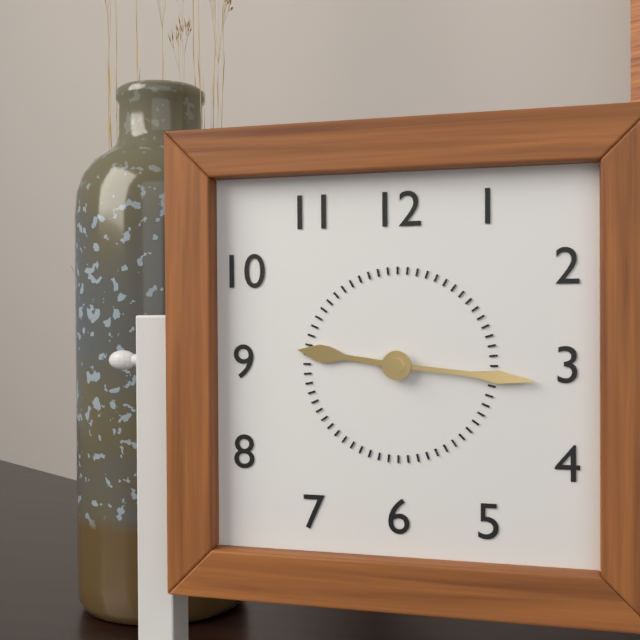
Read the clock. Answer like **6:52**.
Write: **9:16**
